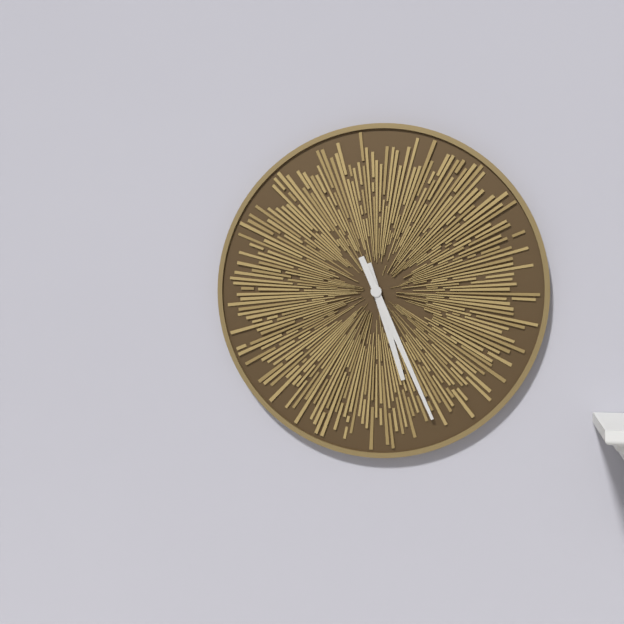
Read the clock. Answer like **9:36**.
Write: **5:26**
